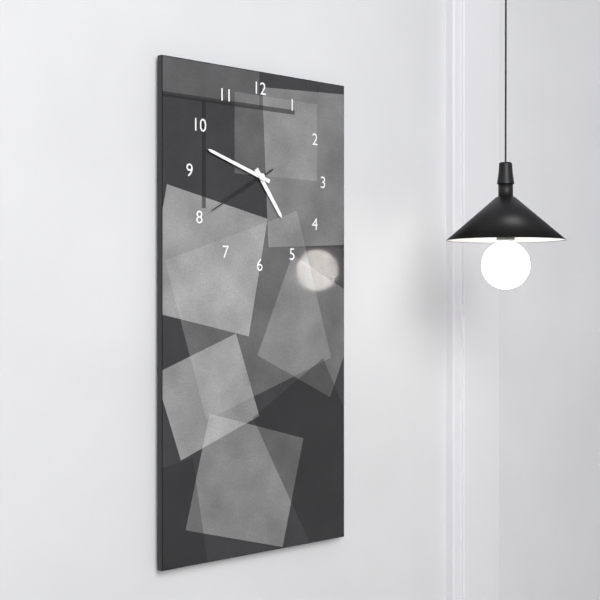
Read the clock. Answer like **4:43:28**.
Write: **4:48:40**
